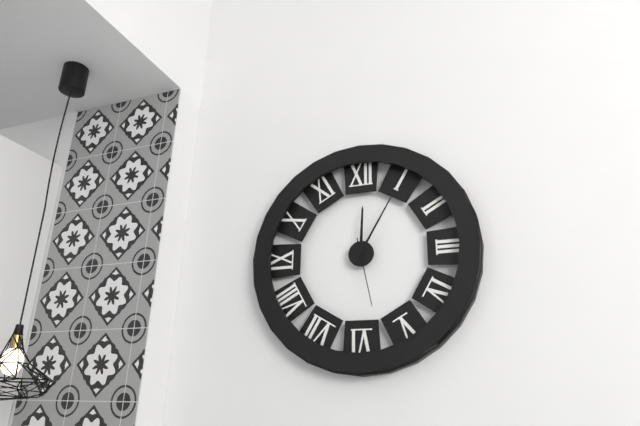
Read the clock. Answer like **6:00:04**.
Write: **12:05:28**
